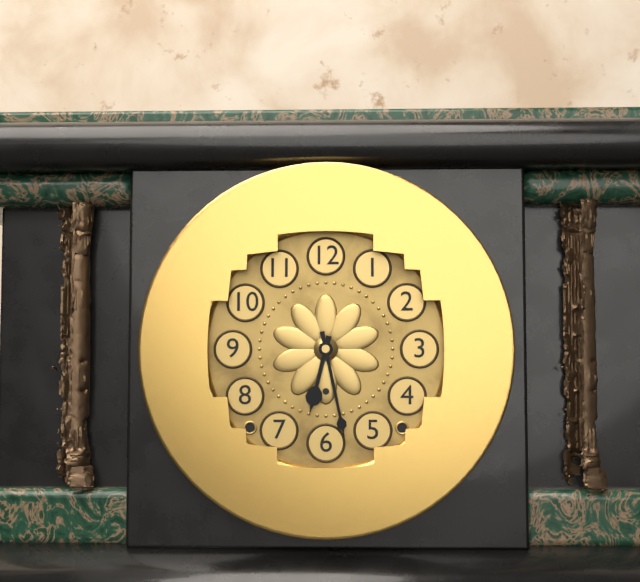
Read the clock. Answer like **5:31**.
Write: **6:28**
